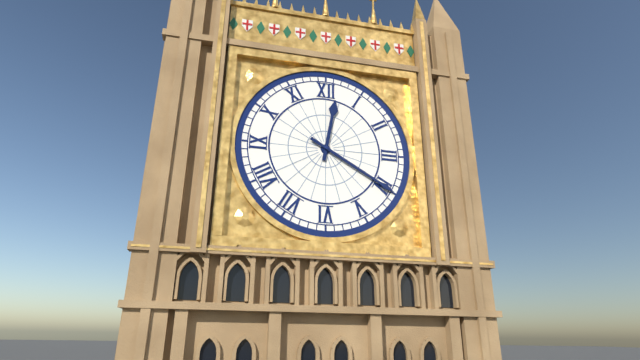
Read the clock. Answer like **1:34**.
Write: **12:20**
